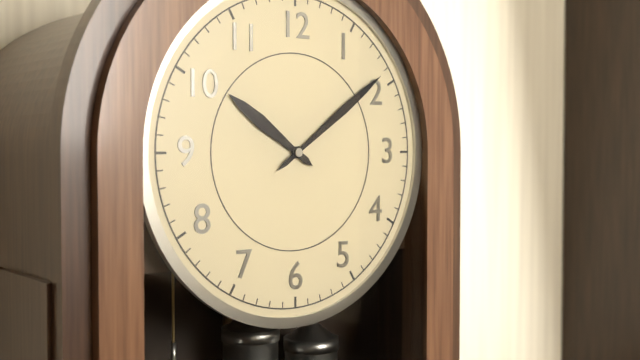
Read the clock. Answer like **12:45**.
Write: **10:09**
